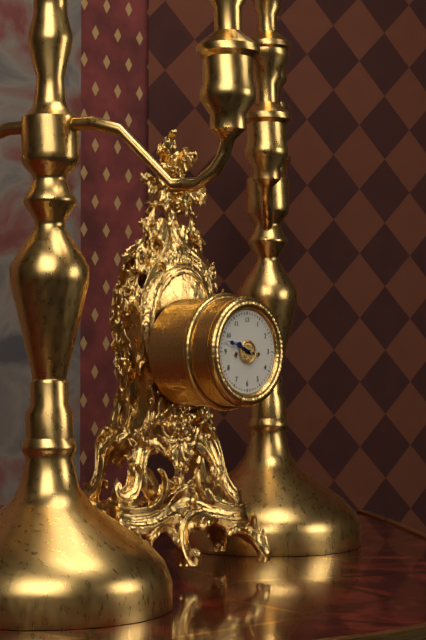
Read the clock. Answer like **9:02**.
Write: **9:48**
